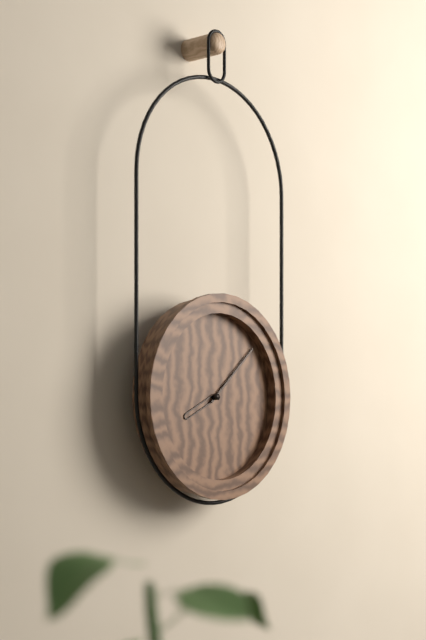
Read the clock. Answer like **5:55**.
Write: **8:08**
